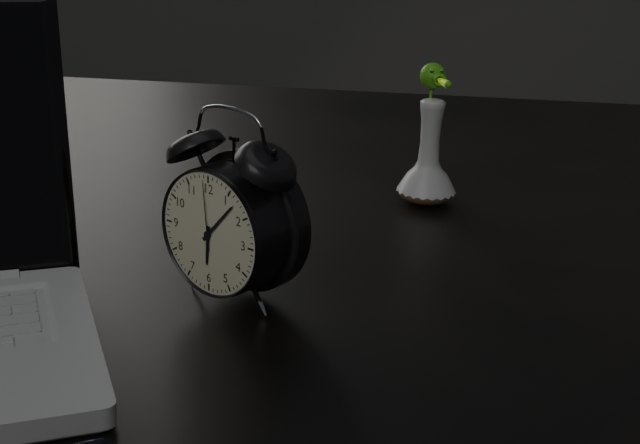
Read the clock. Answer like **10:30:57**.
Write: **6:07:59**
